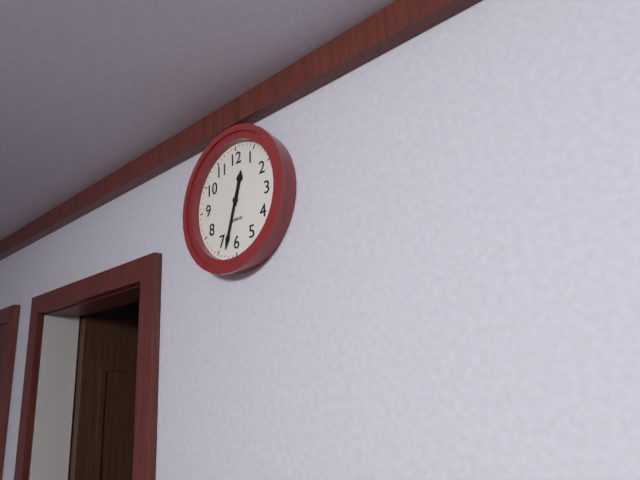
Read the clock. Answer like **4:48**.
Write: **12:33**
